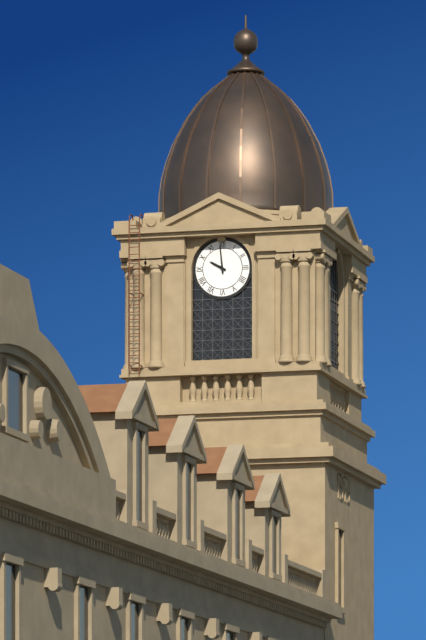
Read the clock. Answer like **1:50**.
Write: **9:59**
